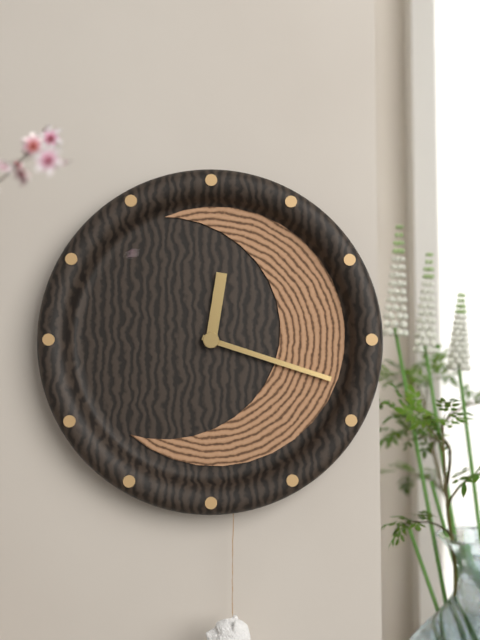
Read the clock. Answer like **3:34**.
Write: **12:18**
